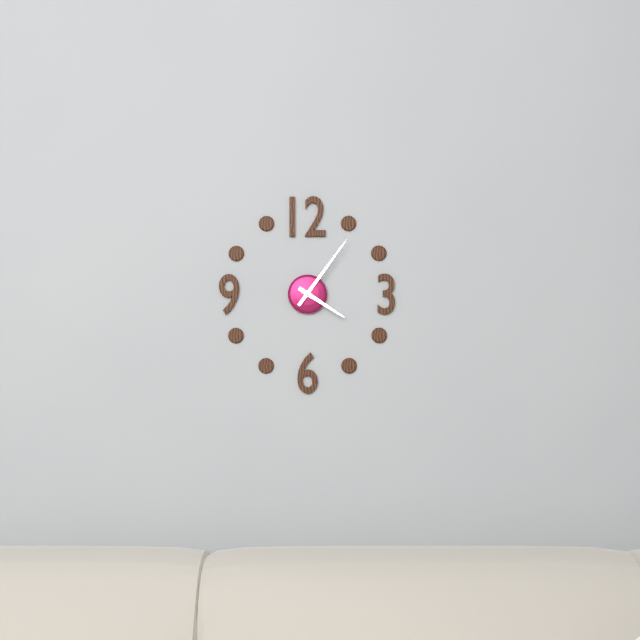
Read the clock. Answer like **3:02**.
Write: **4:06**
